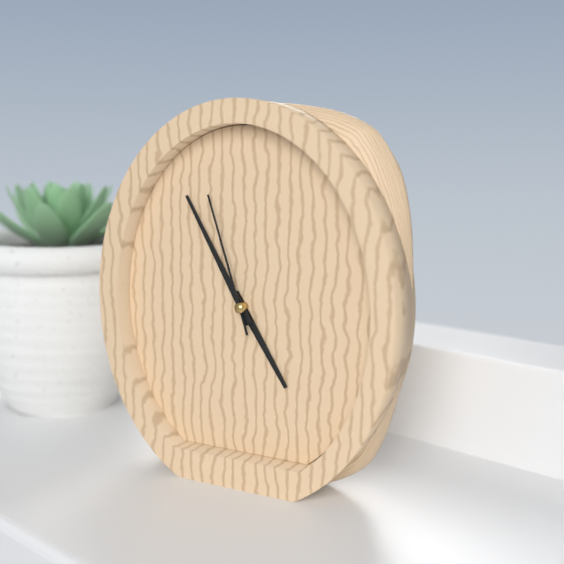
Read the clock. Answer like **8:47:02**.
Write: **4:55:57**
